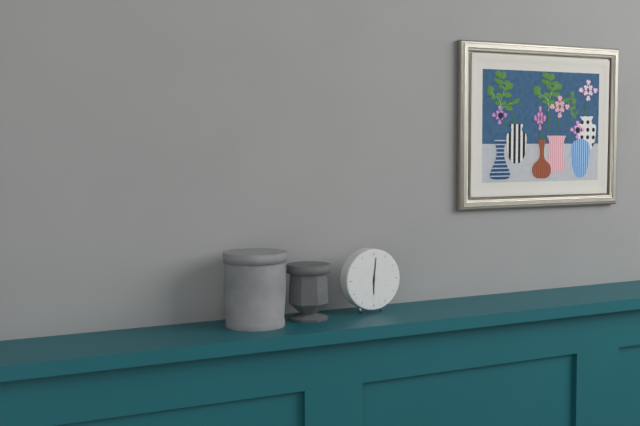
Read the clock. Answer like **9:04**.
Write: **6:01**
